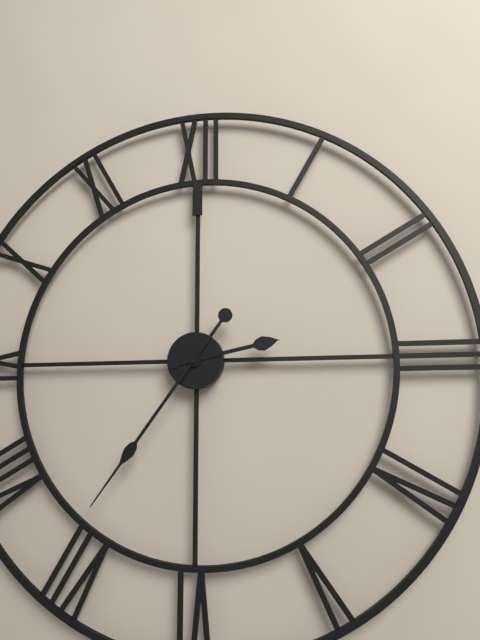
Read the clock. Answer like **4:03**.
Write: **2:36**
